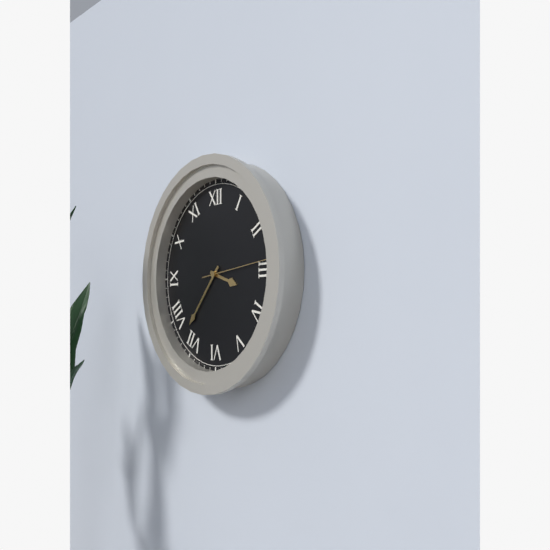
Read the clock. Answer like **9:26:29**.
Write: **3:37:14**
